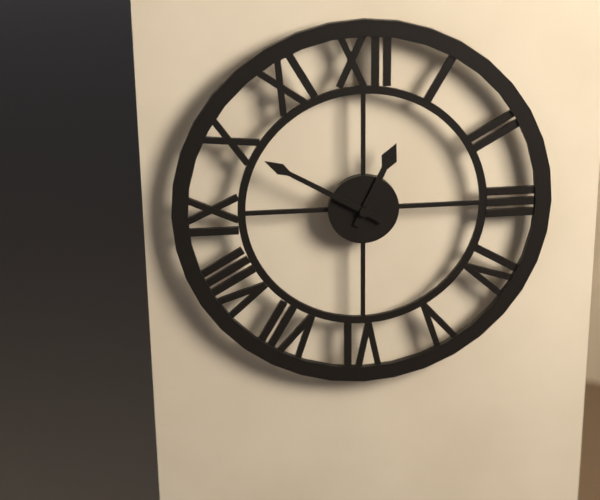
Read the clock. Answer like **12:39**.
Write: **12:50**
